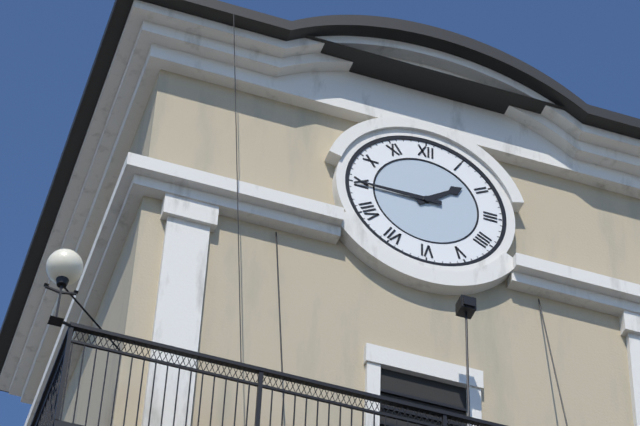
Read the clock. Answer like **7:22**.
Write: **1:45**
